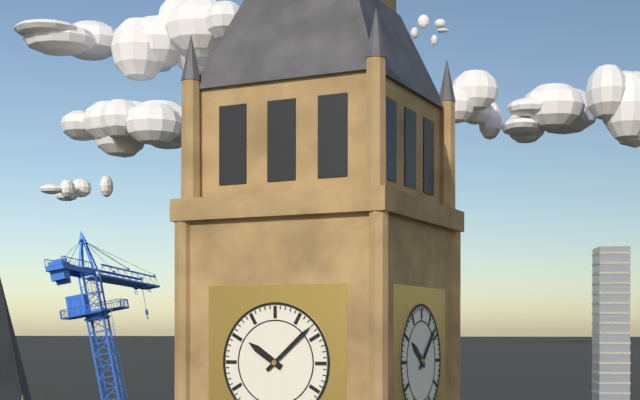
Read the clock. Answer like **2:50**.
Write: **10:08**
